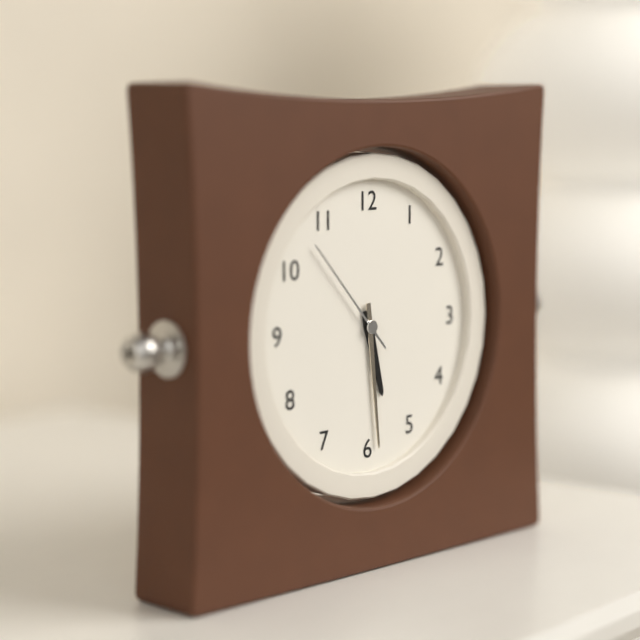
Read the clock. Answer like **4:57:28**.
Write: **5:29:53**
